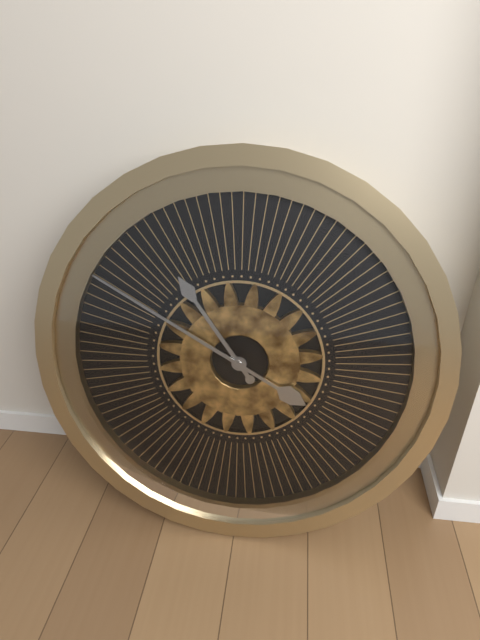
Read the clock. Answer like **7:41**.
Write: **10:50**
